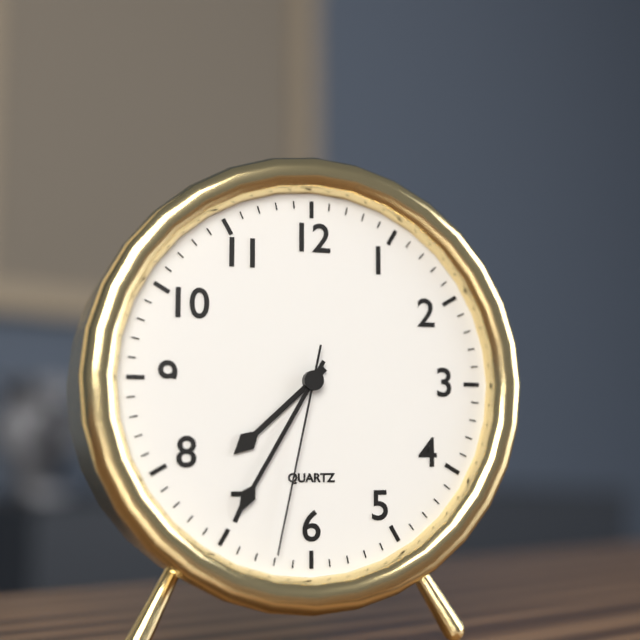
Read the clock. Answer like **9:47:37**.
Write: **7:35:32**
